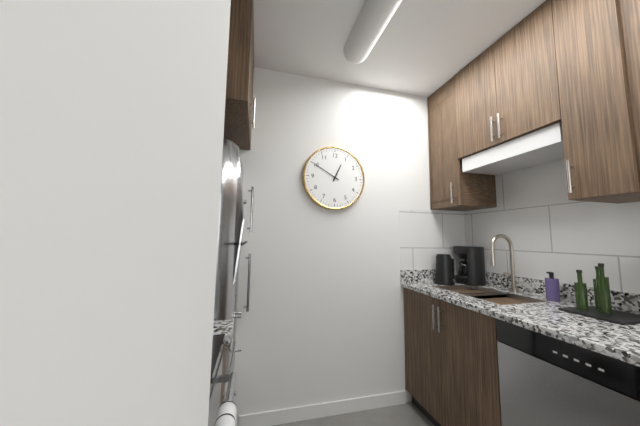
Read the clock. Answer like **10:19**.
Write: **12:50**
